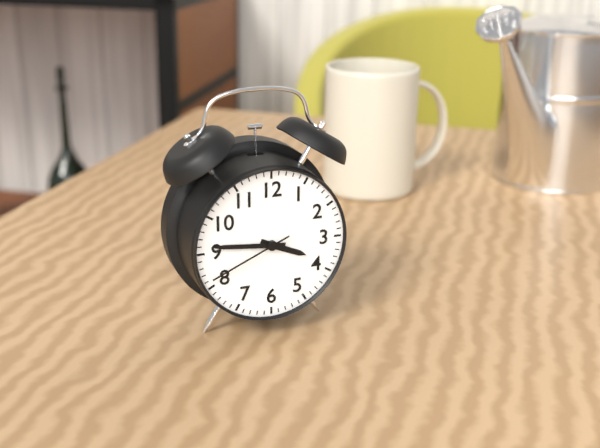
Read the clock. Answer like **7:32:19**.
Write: **3:46:41**
